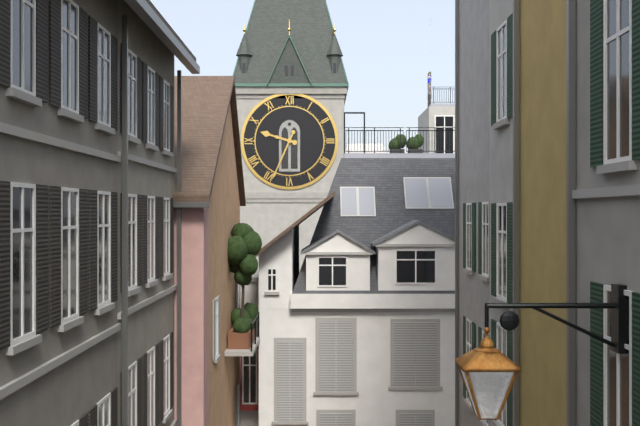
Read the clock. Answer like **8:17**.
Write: **9:34**
